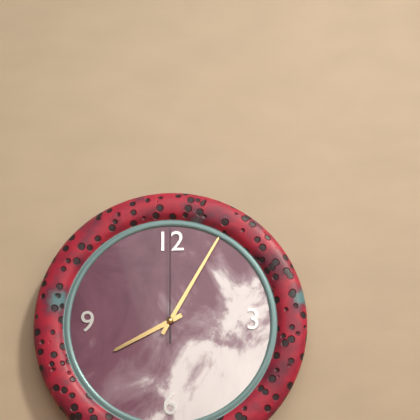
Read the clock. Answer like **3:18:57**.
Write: **8:05:00**
